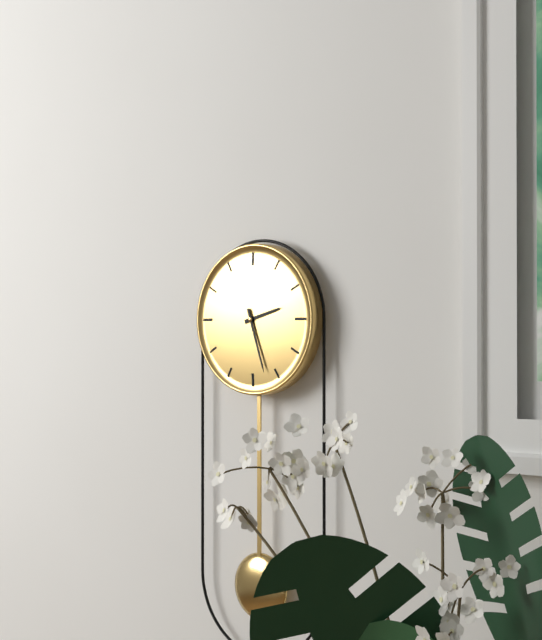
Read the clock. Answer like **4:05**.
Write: **2:27**
